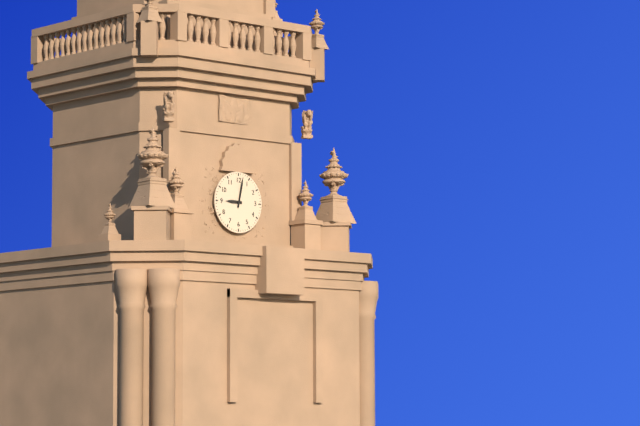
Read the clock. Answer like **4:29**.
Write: **9:02**
